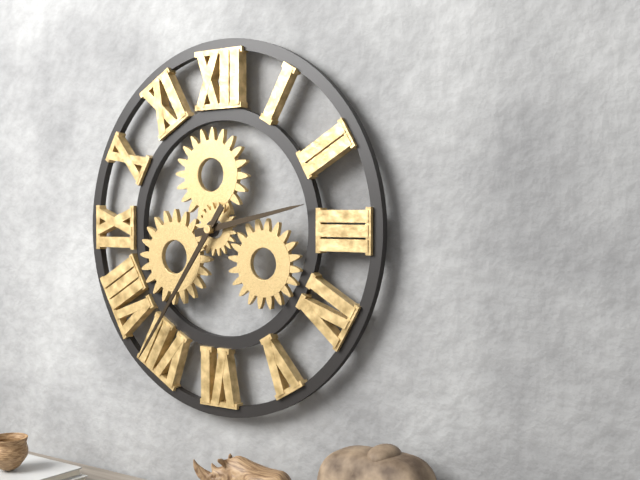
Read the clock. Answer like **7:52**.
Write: **2:36**
